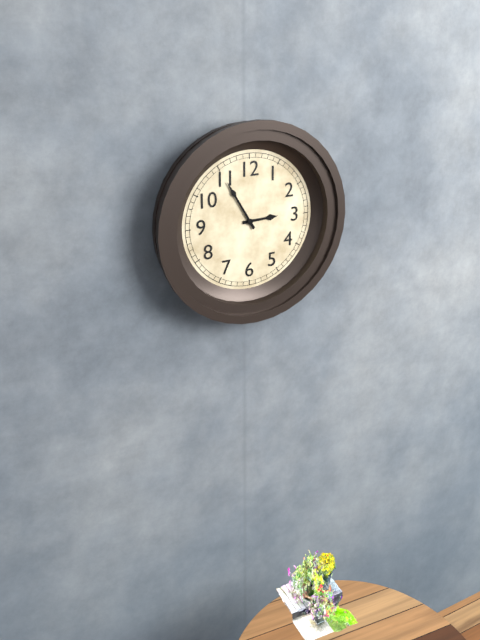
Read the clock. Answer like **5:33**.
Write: **2:55**
